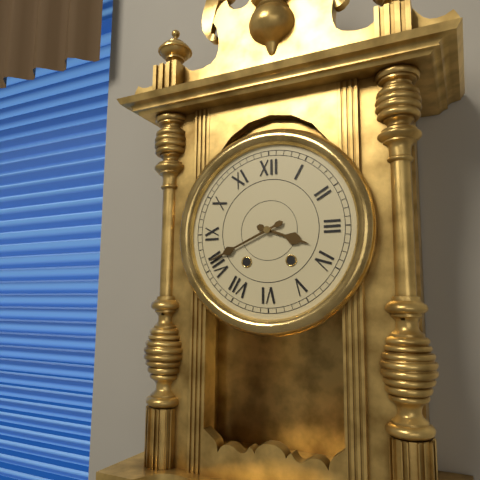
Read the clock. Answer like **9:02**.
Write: **3:41**
